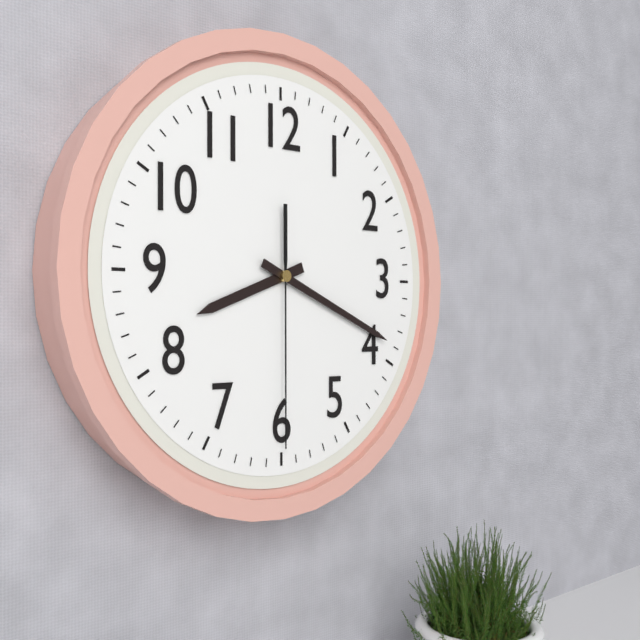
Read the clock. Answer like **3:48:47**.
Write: **8:19:30**
